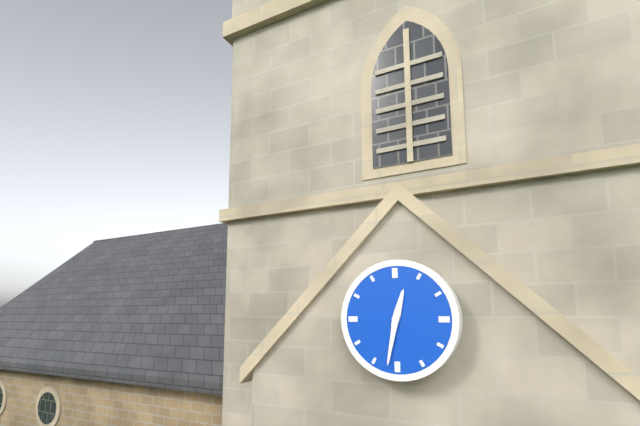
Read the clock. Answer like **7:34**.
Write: **12:32**
